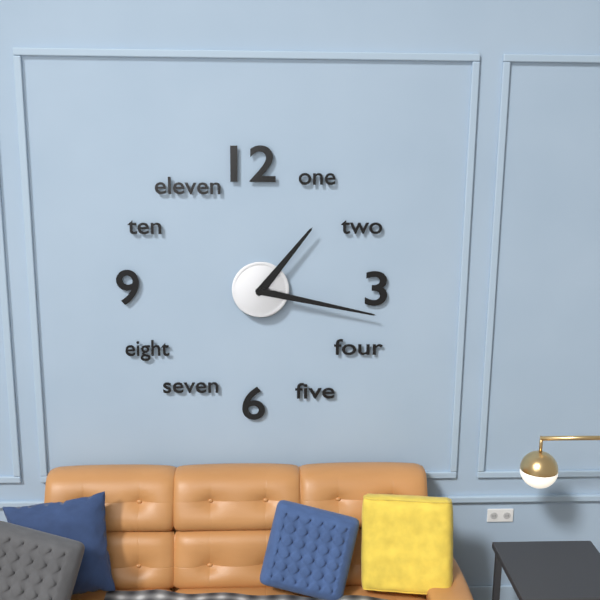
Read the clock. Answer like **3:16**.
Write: **1:17**
